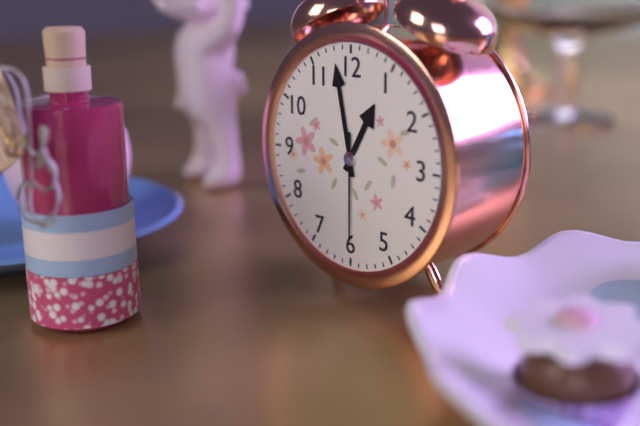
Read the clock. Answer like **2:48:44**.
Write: **12:58:30**
